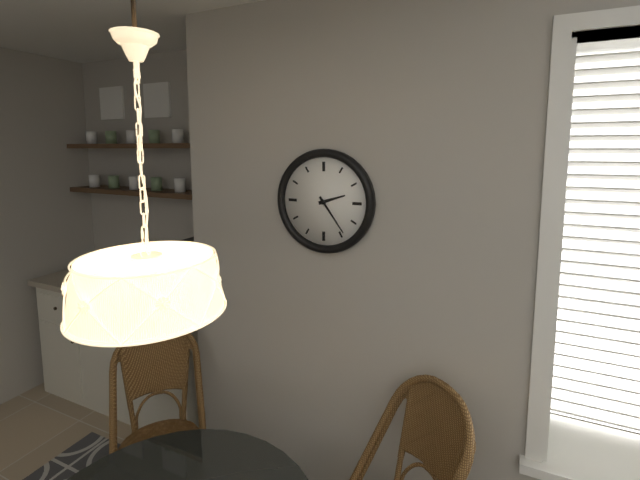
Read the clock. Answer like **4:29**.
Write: **2:24**
